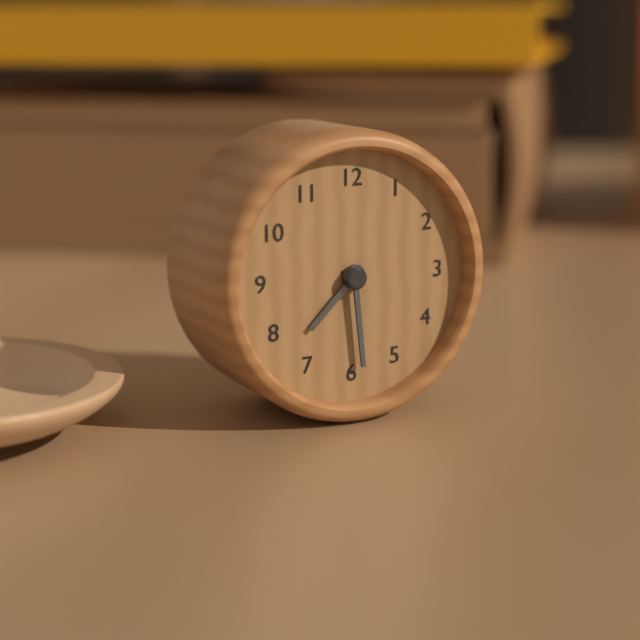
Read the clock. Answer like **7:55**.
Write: **7:29**
